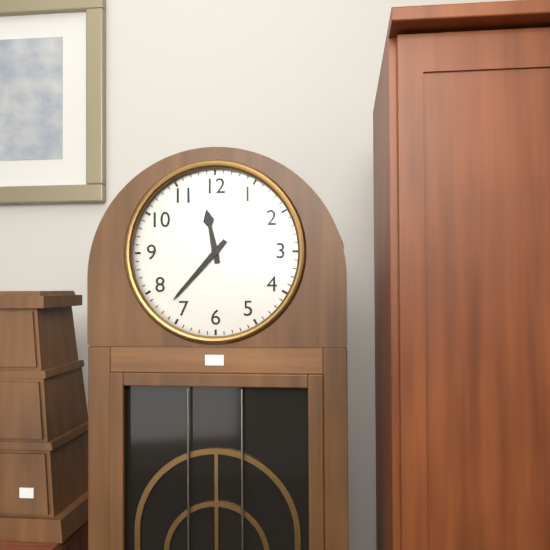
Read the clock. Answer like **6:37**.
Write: **11:37**
